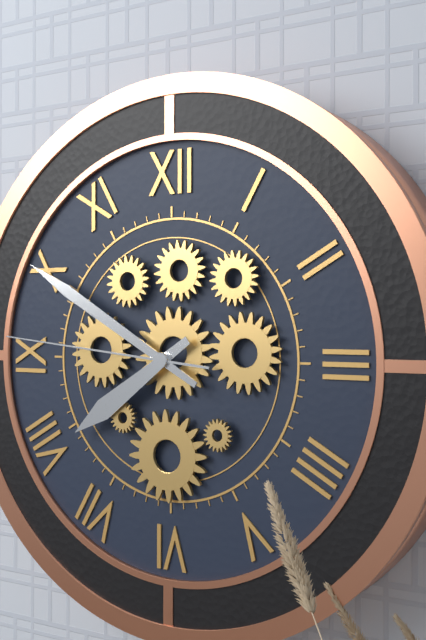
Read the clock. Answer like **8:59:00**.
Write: **7:50:46**
